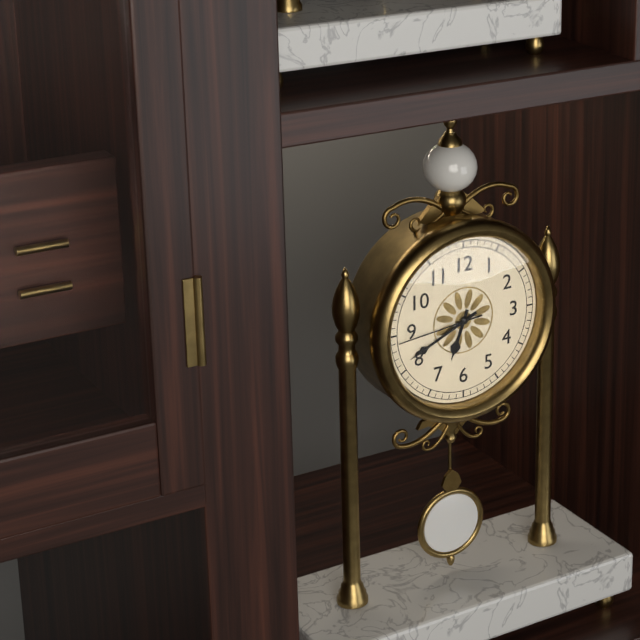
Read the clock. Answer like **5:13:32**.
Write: **6:41:44**
